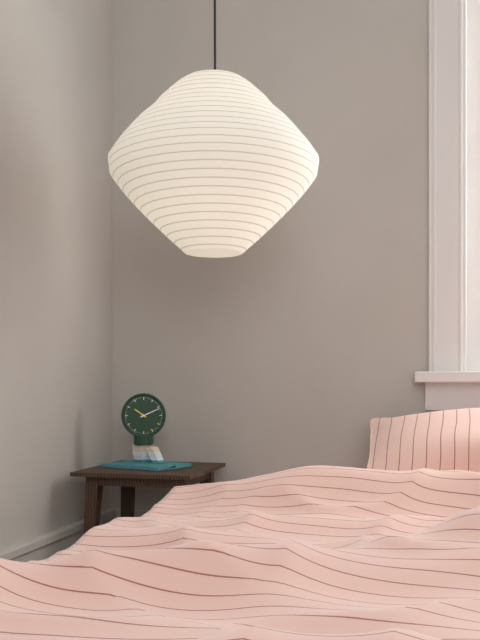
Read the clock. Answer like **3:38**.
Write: **10:11**
